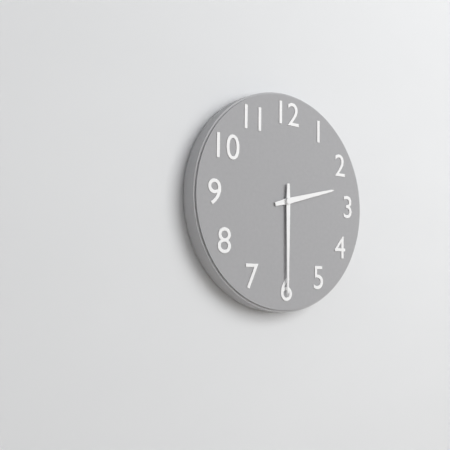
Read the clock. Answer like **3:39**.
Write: **2:30**
